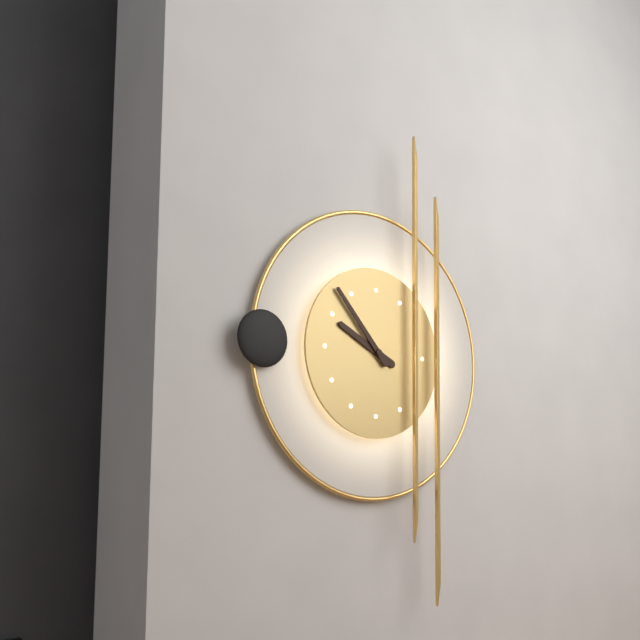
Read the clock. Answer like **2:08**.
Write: **9:53**
